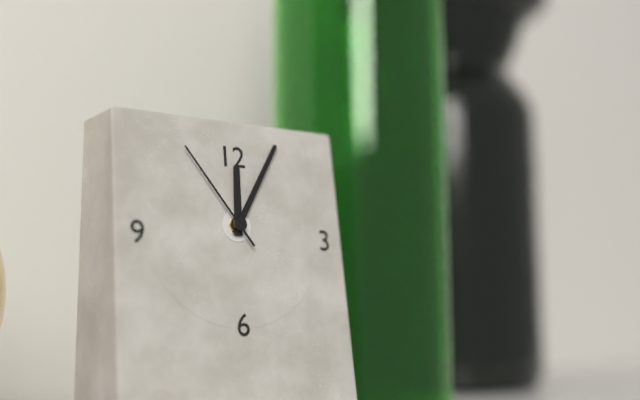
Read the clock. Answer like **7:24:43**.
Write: **12:05:54**
